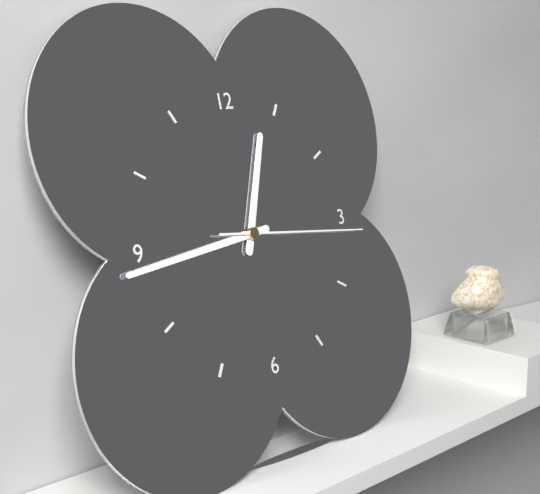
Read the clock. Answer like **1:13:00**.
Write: **12:44:16**
